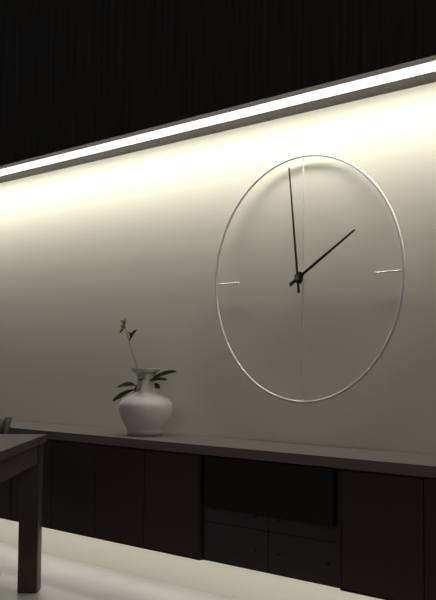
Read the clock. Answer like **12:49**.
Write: **1:59**
